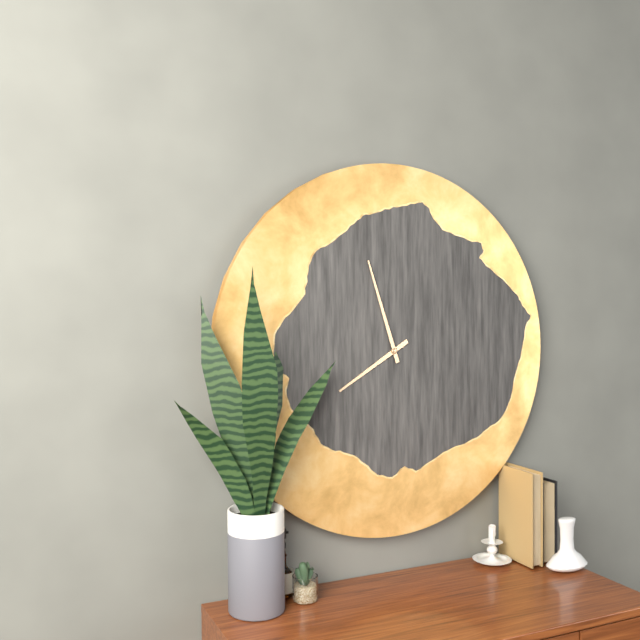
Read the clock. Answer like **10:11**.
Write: **7:57**
